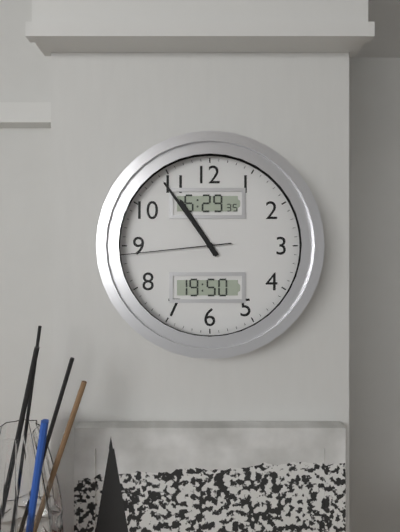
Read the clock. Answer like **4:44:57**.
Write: **10:54:44**
